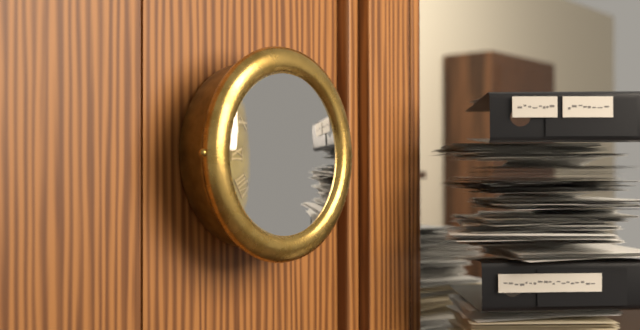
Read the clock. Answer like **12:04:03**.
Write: **10:35:16**
